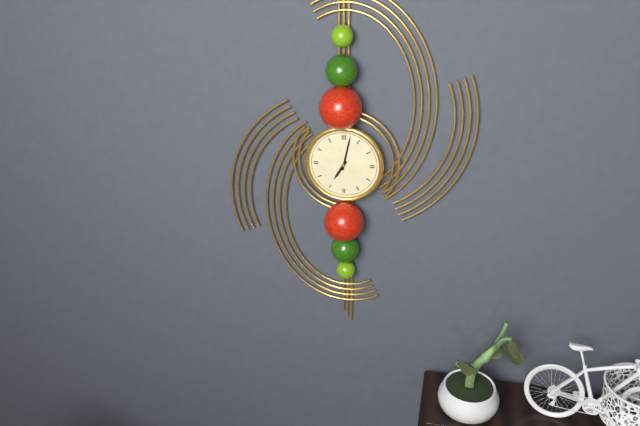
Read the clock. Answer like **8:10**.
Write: **7:02**
